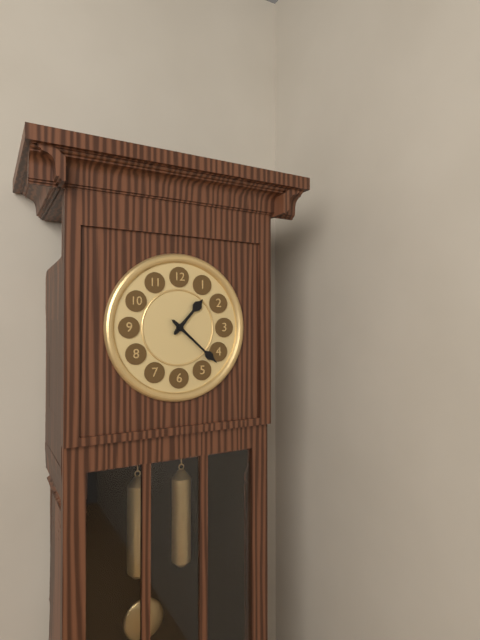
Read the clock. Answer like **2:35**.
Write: **1:22**
